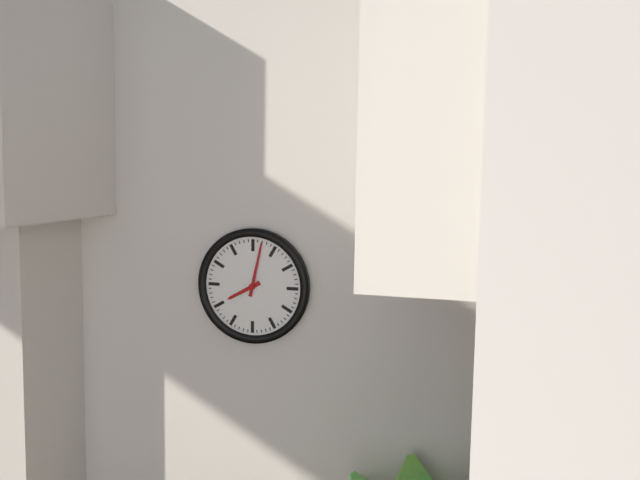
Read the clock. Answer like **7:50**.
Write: **8:02**
